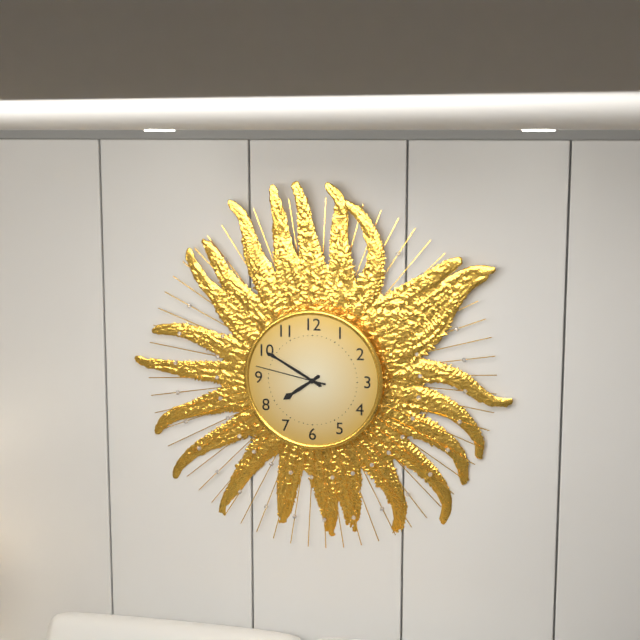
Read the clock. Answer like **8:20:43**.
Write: **7:50:47**
